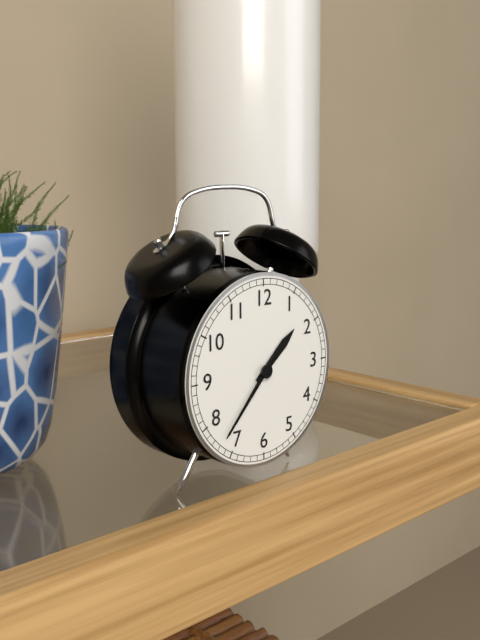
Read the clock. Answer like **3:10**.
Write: **1:37**
